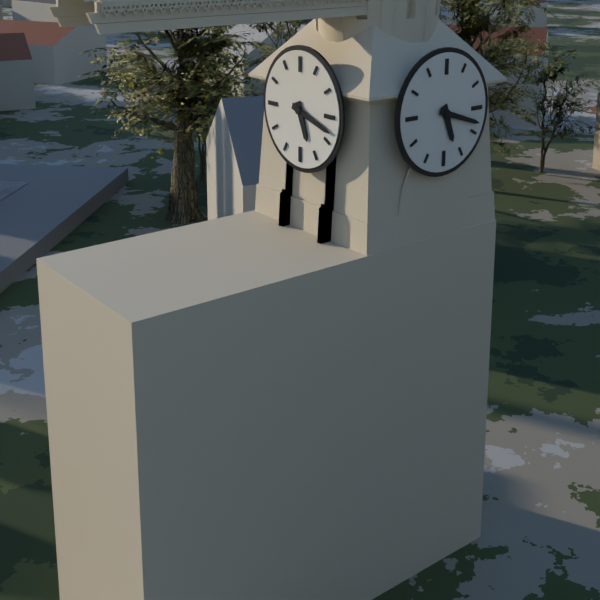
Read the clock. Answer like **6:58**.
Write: **5:18**
